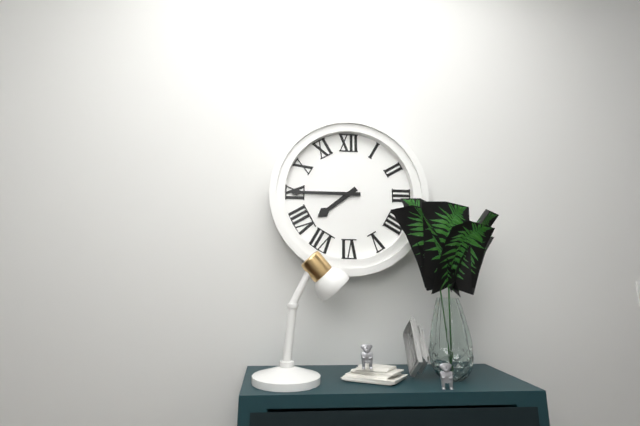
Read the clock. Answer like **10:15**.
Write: **7:45**
